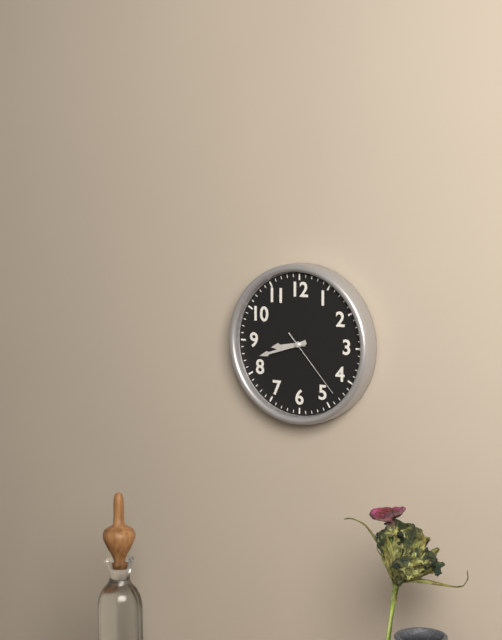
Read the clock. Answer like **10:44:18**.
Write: **8:42:23**
